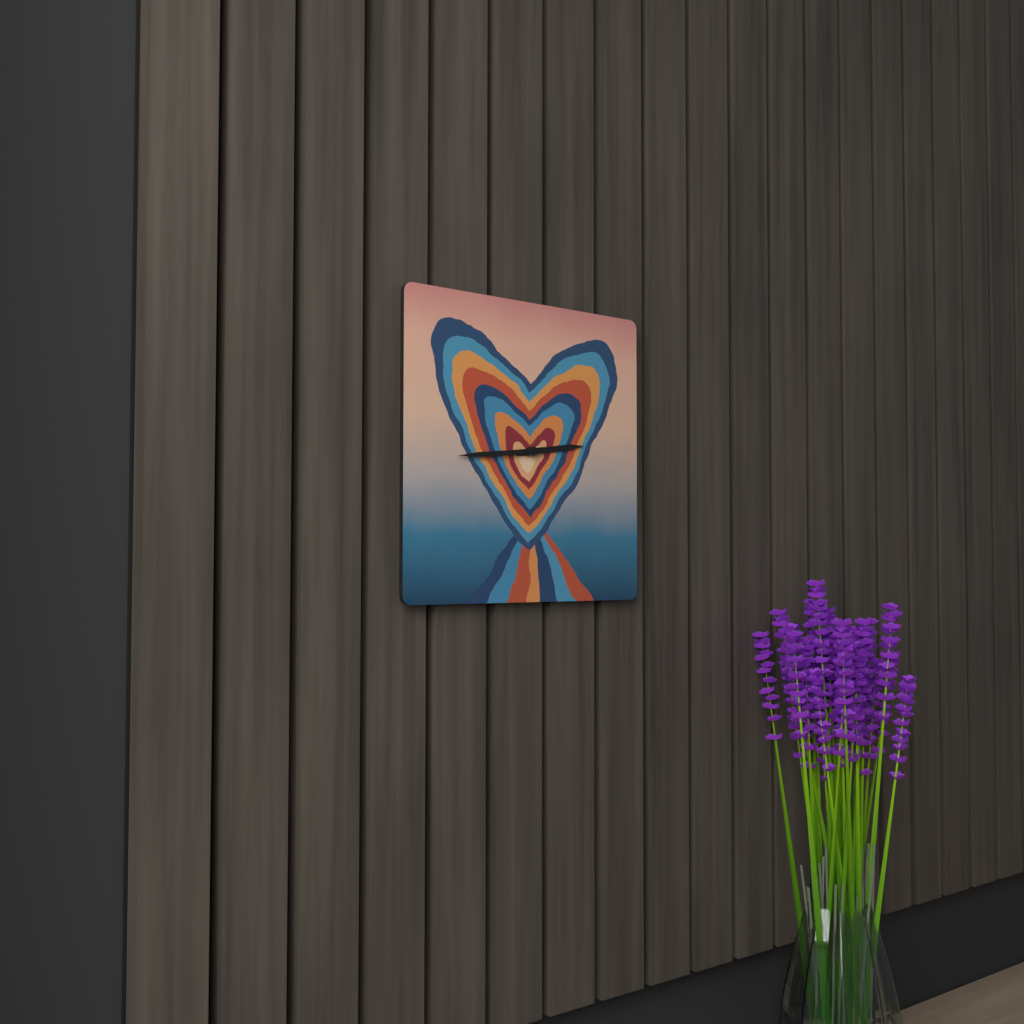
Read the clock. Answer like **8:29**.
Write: **2:44**
